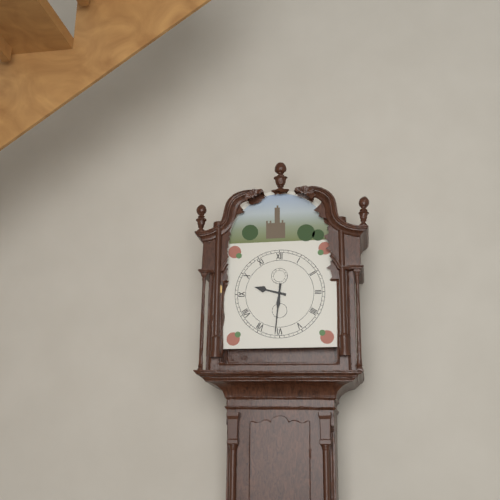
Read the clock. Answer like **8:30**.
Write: **9:31**
